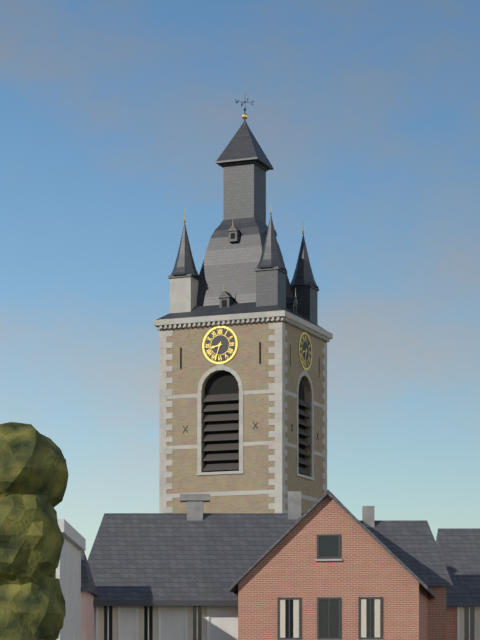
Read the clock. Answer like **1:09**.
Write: **8:33**
